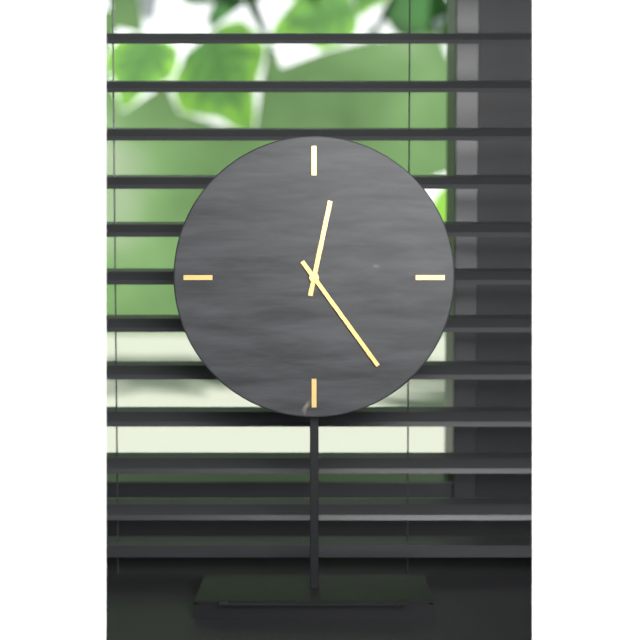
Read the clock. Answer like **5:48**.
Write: **12:24**
